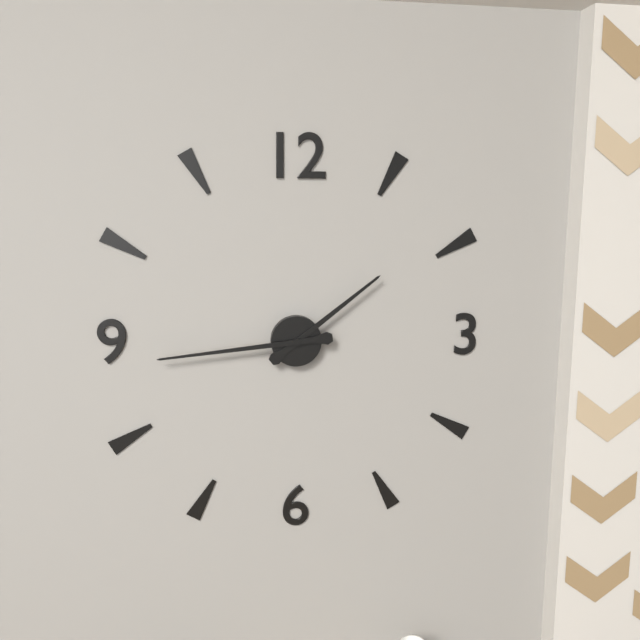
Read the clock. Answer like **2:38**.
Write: **1:44**
